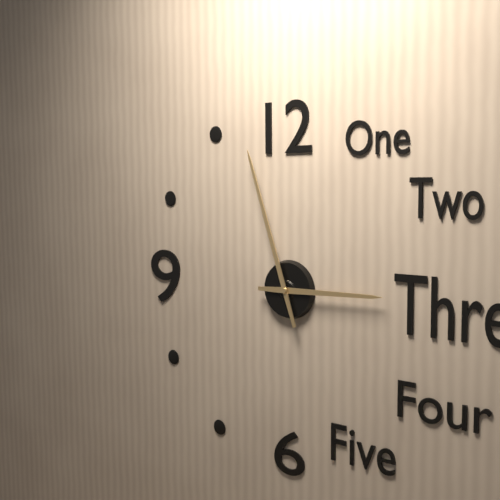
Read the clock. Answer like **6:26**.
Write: **2:57**
